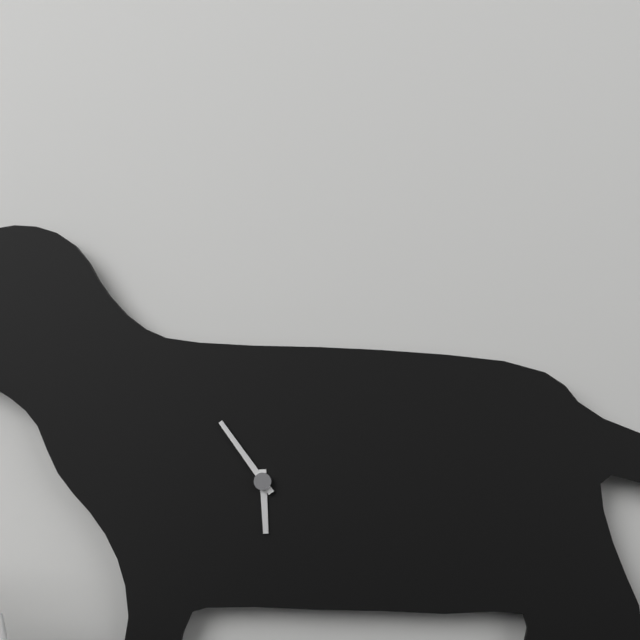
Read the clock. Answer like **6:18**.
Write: **5:54**
